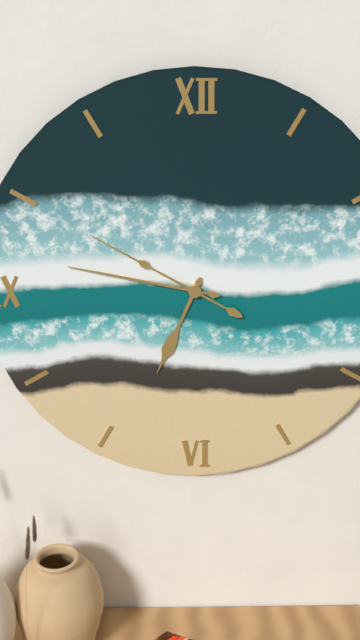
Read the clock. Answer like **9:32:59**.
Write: **6:47:50**
